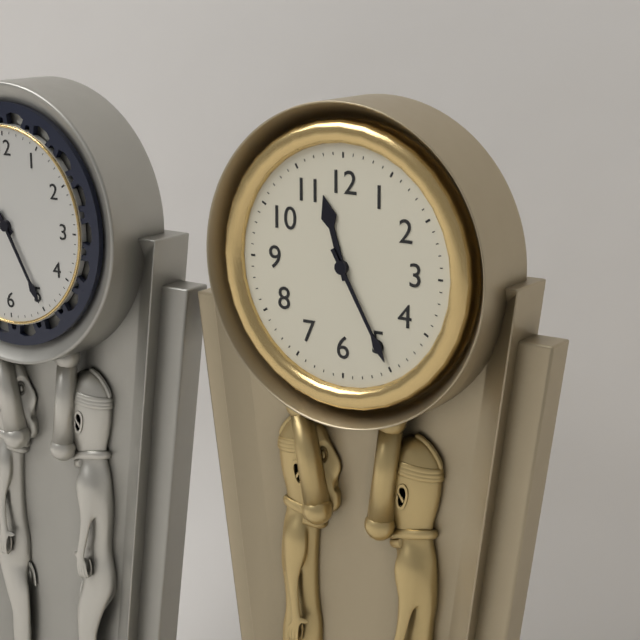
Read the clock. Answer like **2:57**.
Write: **11:25**
